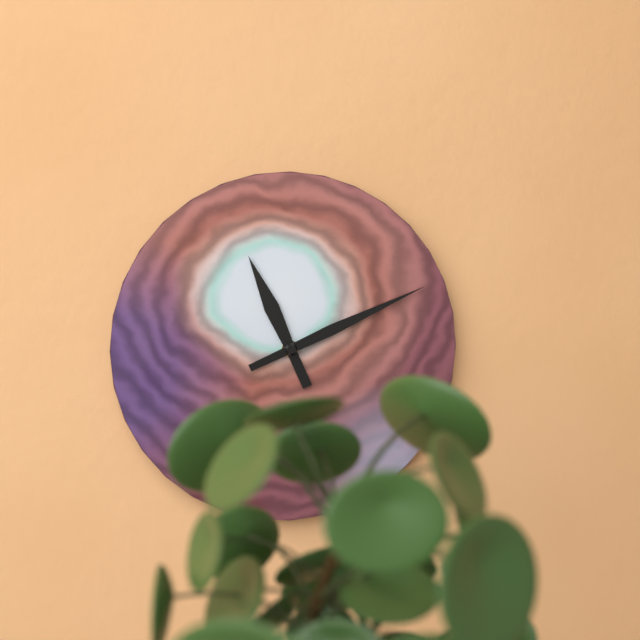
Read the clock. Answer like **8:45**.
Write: **11:11**
